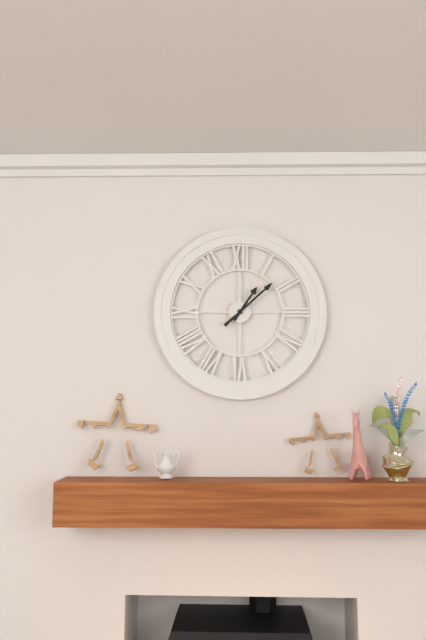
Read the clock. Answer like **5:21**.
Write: **1:08**
